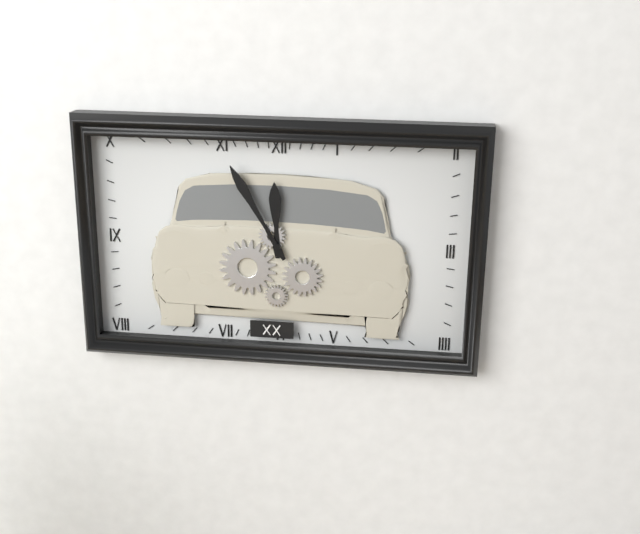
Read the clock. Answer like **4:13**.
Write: **11:55**
